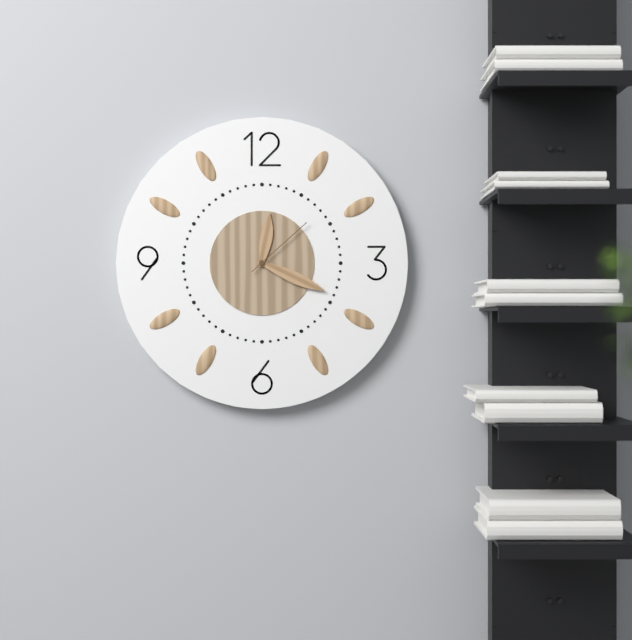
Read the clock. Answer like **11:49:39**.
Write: **12:19:08**
